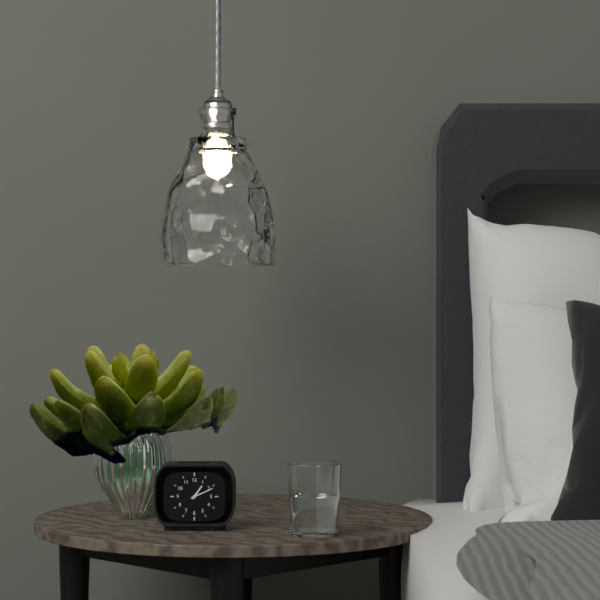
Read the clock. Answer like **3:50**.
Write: **1:11**
